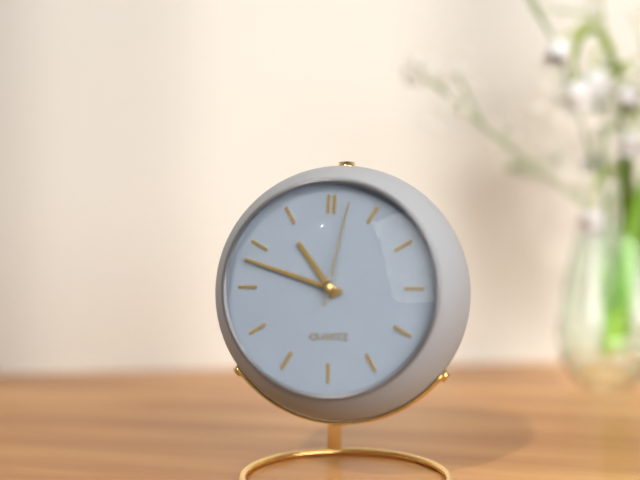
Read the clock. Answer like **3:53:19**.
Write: **10:48:02**
